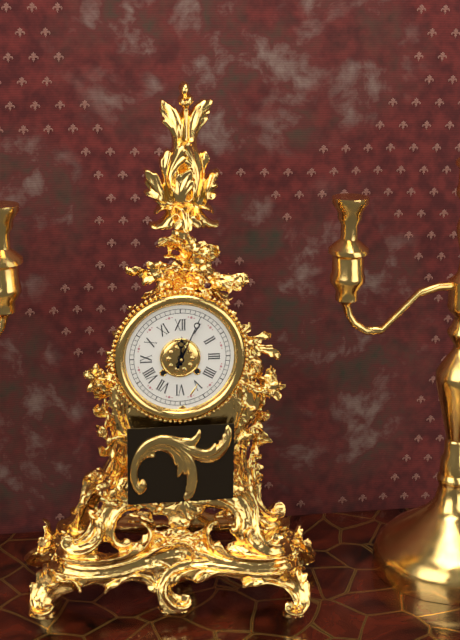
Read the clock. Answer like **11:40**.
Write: **12:04**
